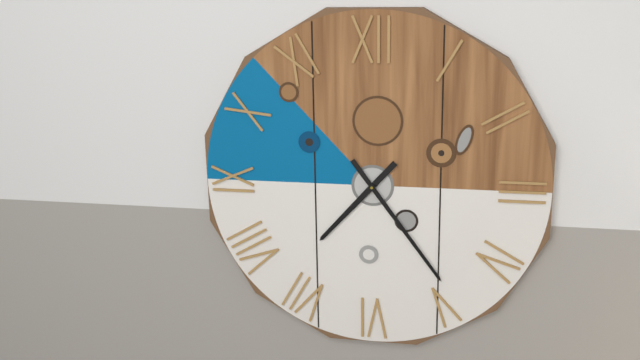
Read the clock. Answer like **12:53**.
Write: **7:24**
